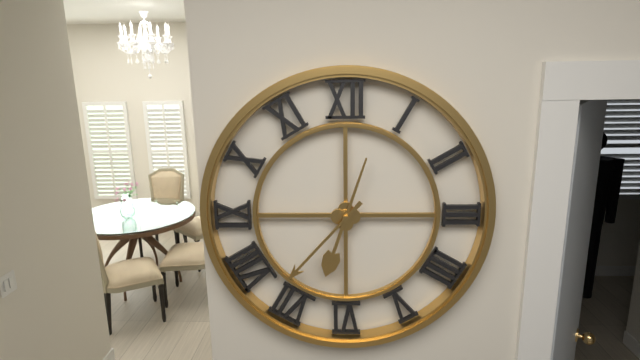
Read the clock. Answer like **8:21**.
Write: **6:37**
